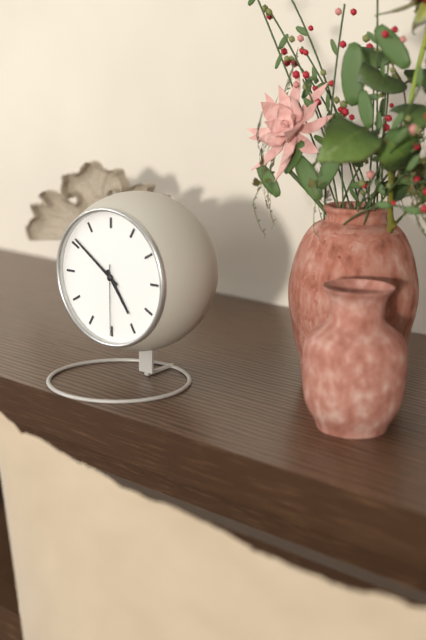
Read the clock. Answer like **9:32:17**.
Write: **4:51:30**
